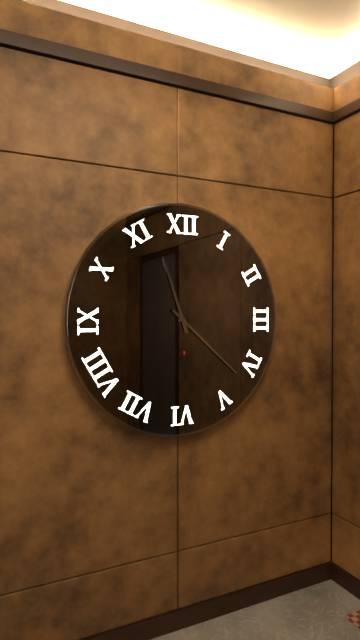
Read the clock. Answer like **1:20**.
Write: **11:22**
